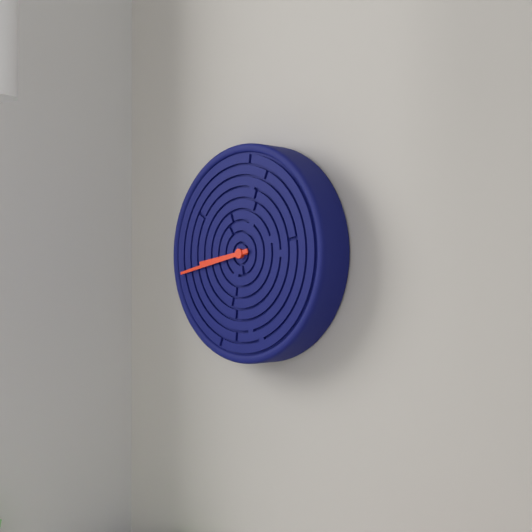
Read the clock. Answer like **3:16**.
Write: **8:43**
